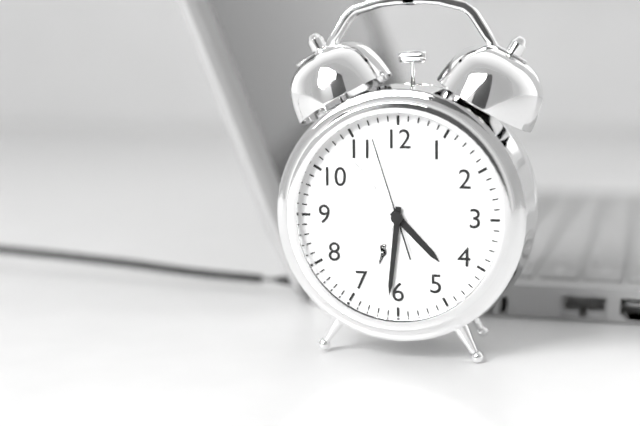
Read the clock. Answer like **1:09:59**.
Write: **4:31:57**
